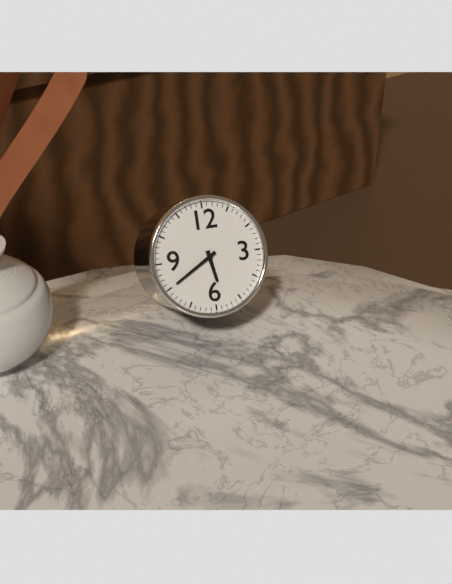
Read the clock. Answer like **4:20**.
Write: **5:40**
